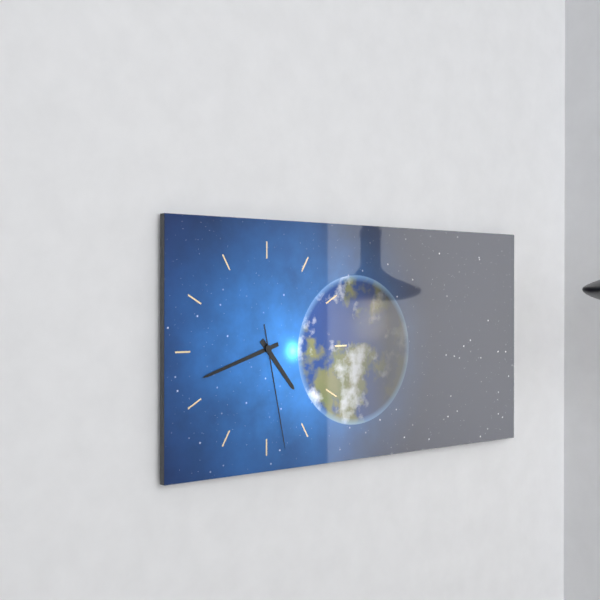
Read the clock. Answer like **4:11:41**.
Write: **4:42:28**
